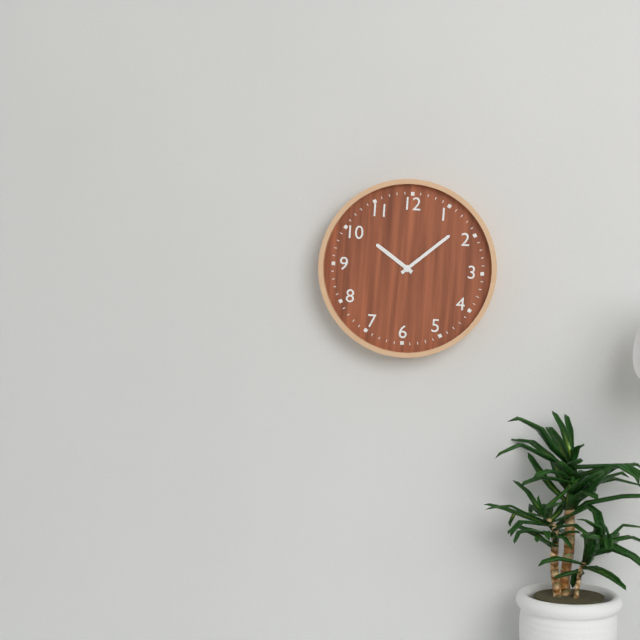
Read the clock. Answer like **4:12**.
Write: **10:08**
